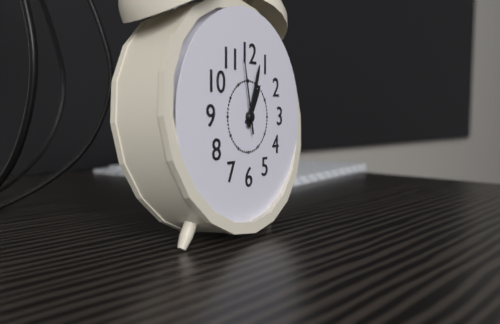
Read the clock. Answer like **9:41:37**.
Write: **1:03:58**
